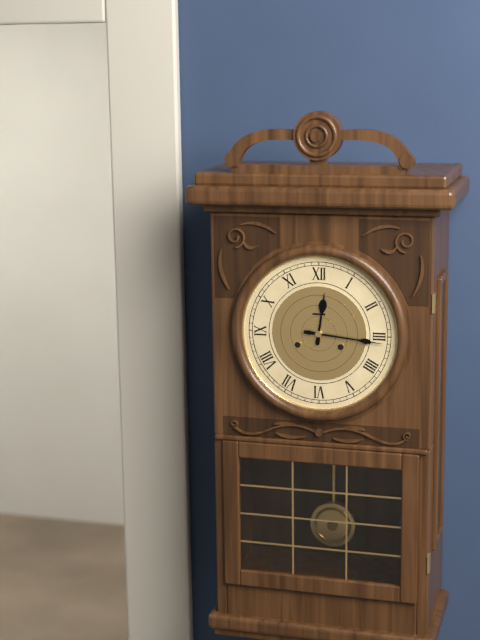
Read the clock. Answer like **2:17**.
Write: **12:16**
